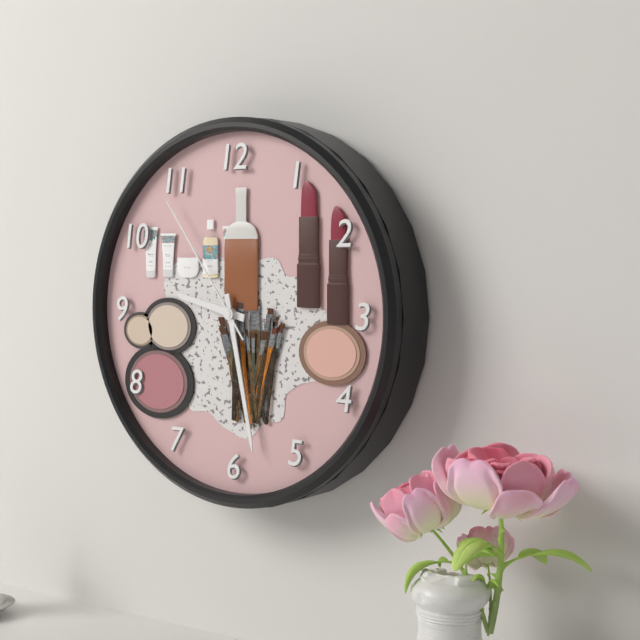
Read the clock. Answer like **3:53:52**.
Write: **9:28:54**
